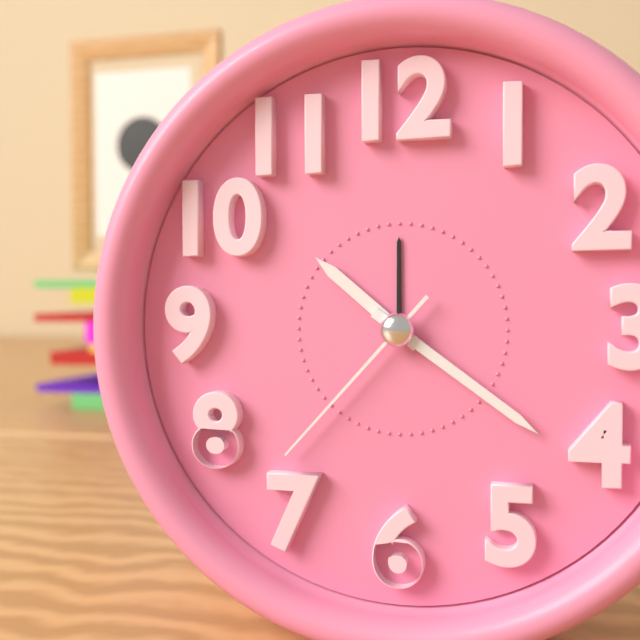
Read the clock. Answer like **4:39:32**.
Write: **10:21:37**
